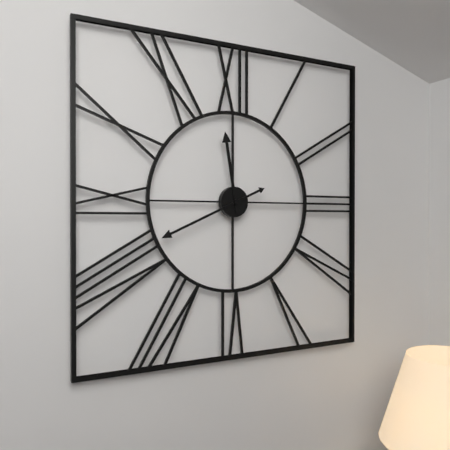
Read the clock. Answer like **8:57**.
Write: **11:41**
